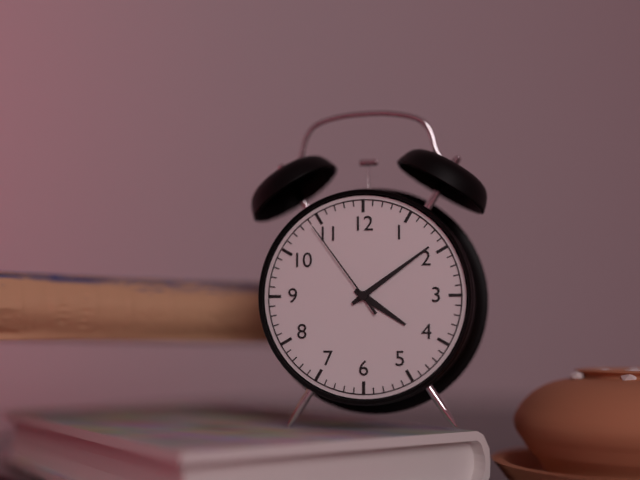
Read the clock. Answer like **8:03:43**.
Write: **4:09:54**
